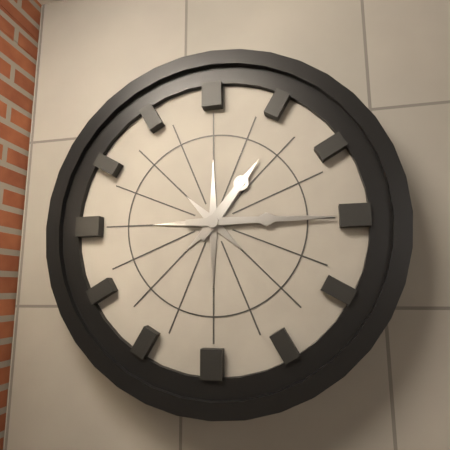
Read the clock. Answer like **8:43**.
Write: **1:15**
